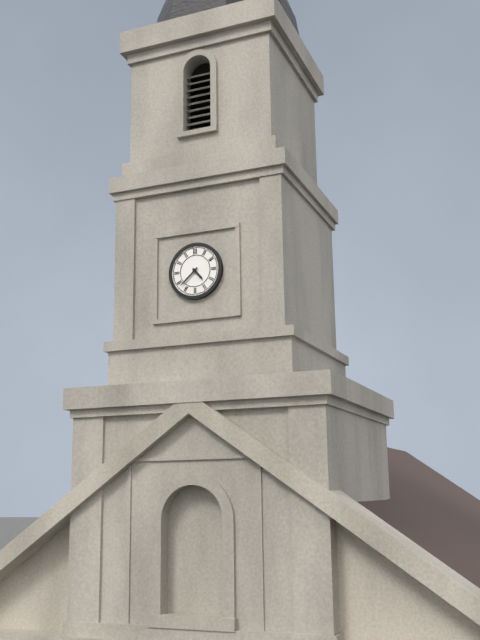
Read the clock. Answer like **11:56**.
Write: **4:38**
